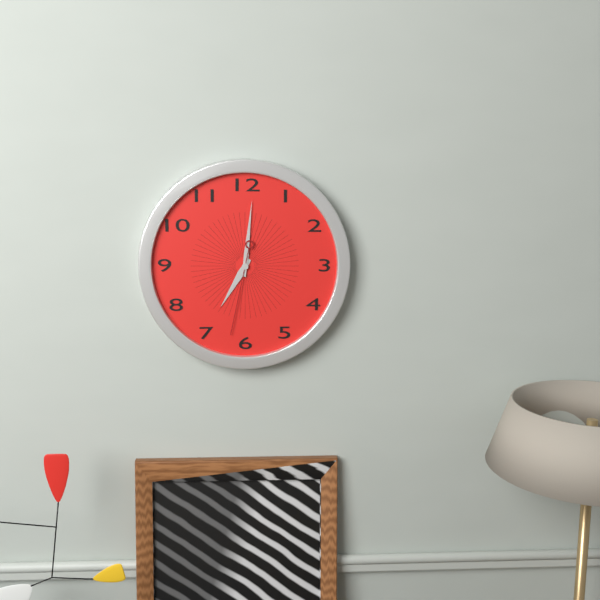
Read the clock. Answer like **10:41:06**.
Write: **7:01:32**
